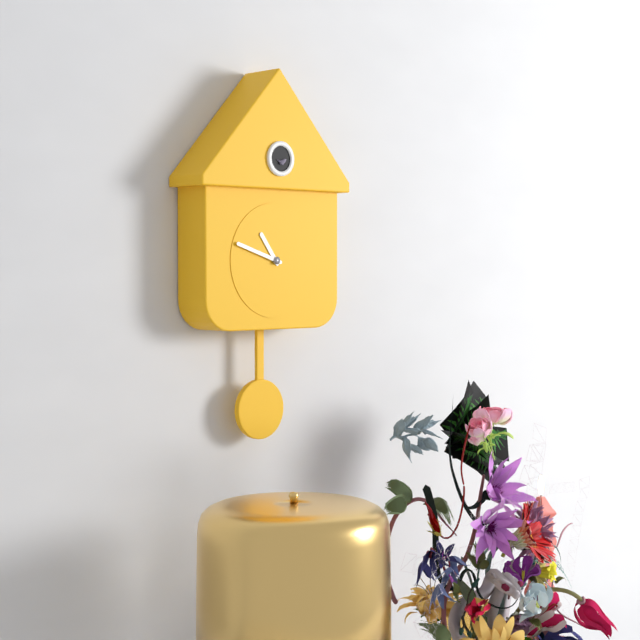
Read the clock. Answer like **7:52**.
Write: **10:48**
